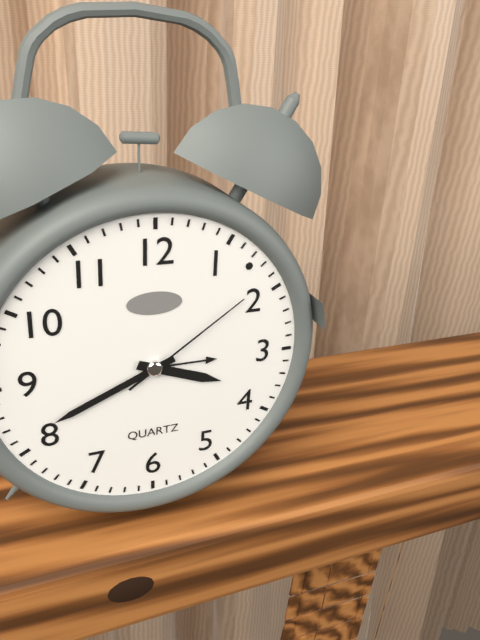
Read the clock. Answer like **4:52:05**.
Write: **3:41:09**
